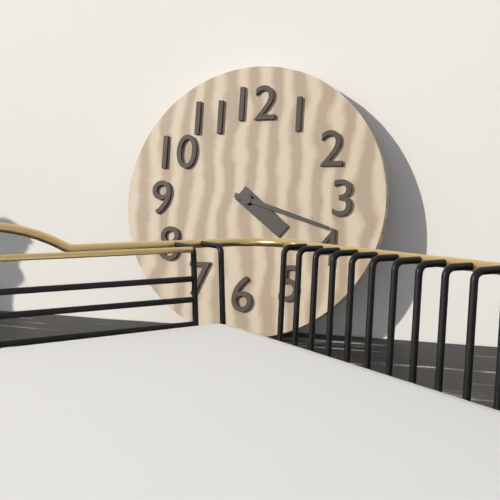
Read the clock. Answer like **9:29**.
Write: **4:18**
